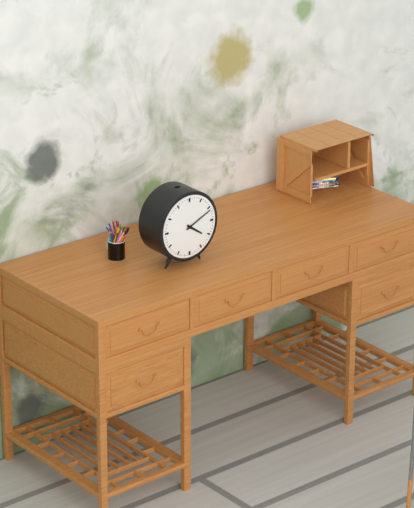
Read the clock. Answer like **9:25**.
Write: **4:11**
